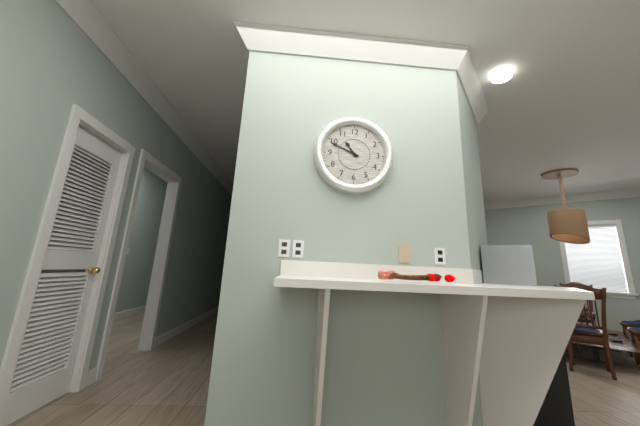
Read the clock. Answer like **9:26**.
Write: **10:49**
